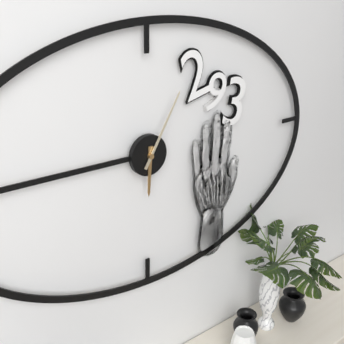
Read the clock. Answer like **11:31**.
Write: **6:05**
